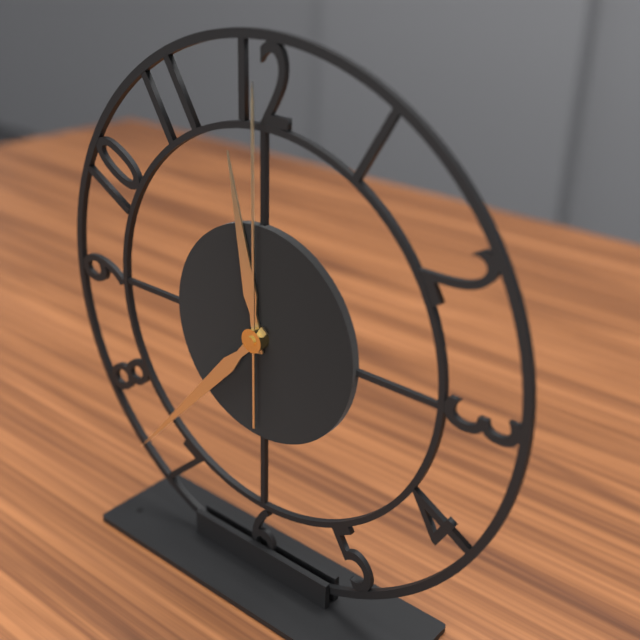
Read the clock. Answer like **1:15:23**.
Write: **11:37:00**
